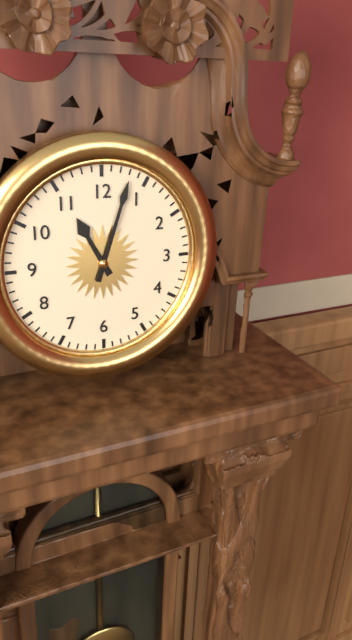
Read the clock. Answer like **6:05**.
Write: **11:03**
